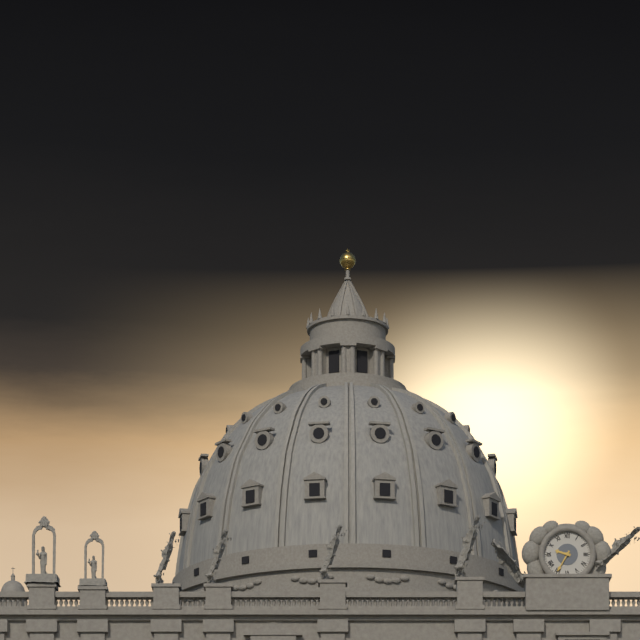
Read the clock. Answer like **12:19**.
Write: **9:35**
